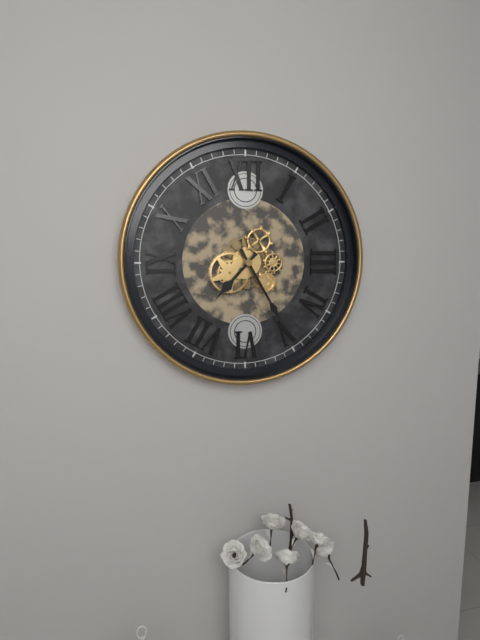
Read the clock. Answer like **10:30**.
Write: **7:25**
